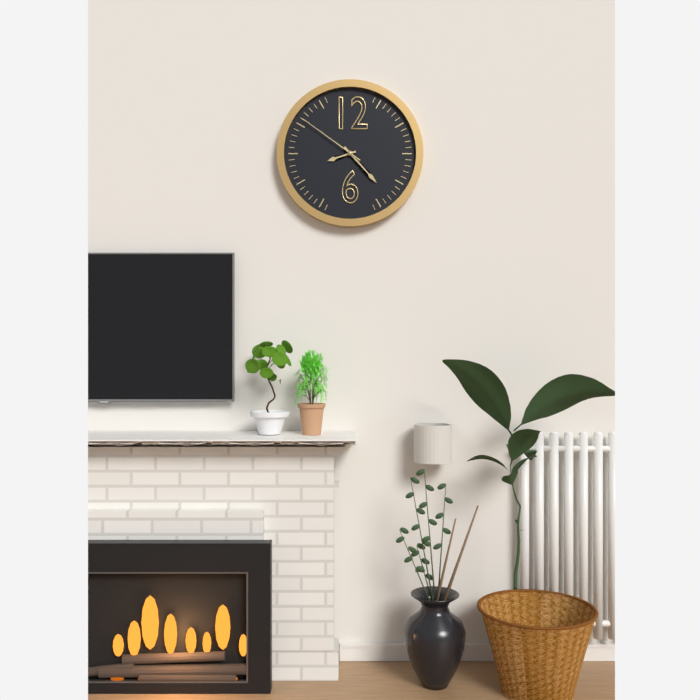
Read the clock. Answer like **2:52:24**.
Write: **8:23:51**
